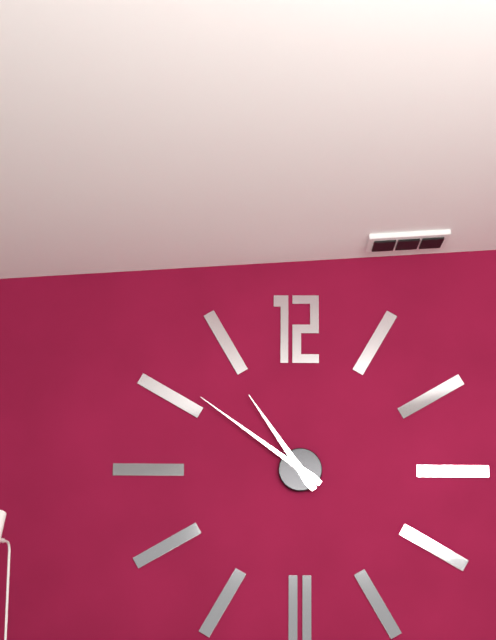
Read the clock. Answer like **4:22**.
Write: **10:51**
